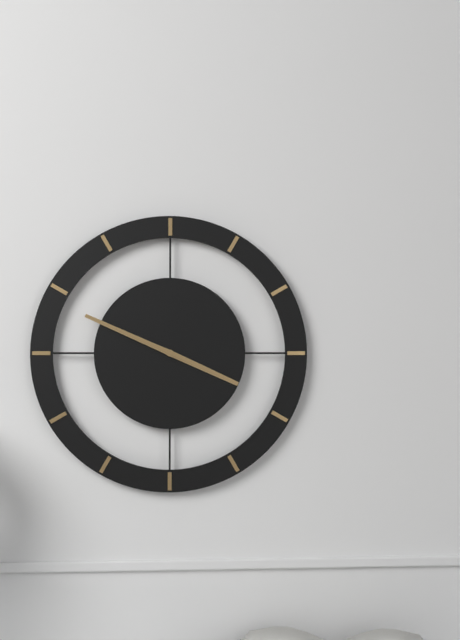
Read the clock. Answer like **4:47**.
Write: **3:49**
